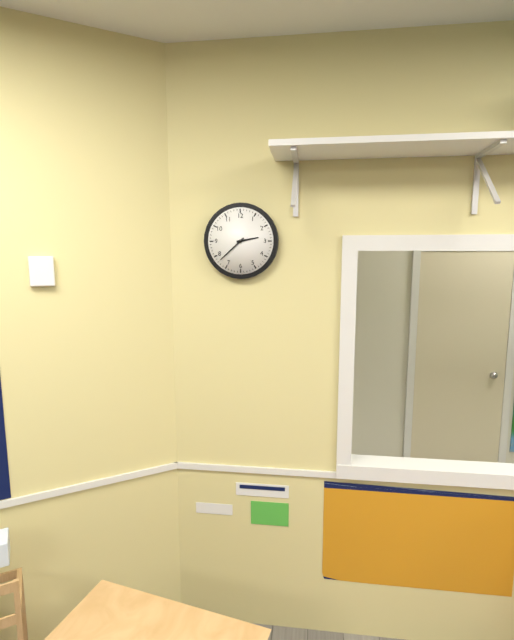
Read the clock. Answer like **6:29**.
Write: **2:38**
